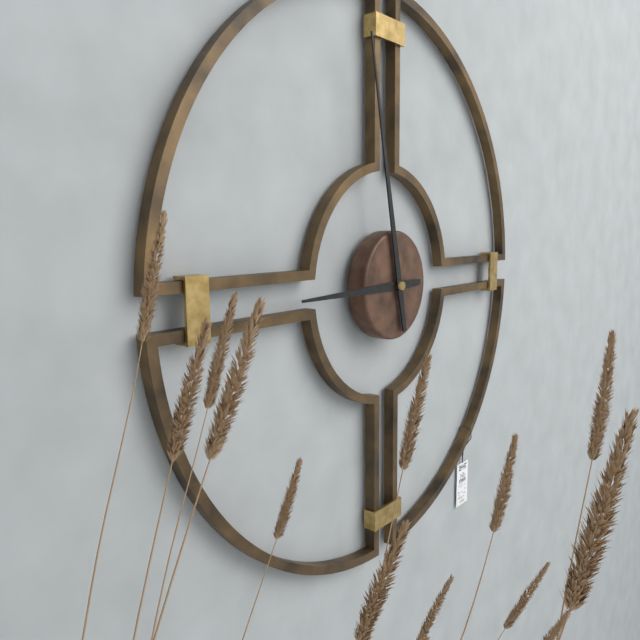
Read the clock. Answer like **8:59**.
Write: **8:58**
